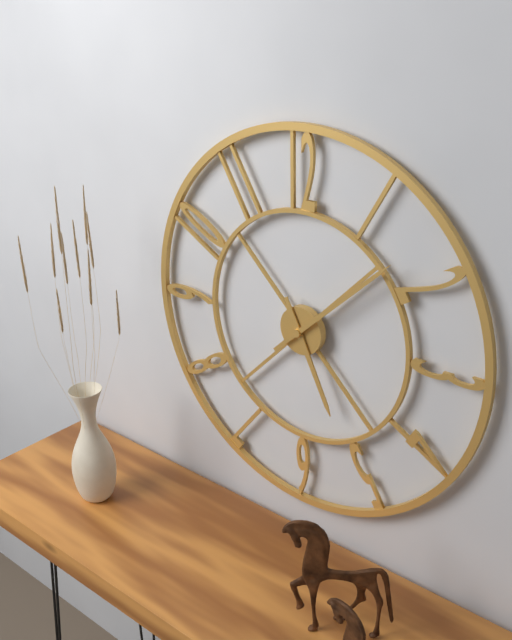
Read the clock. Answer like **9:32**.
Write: **5:08**
